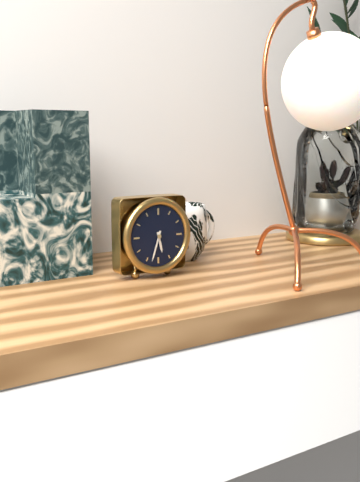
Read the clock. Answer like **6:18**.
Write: **5:33**
